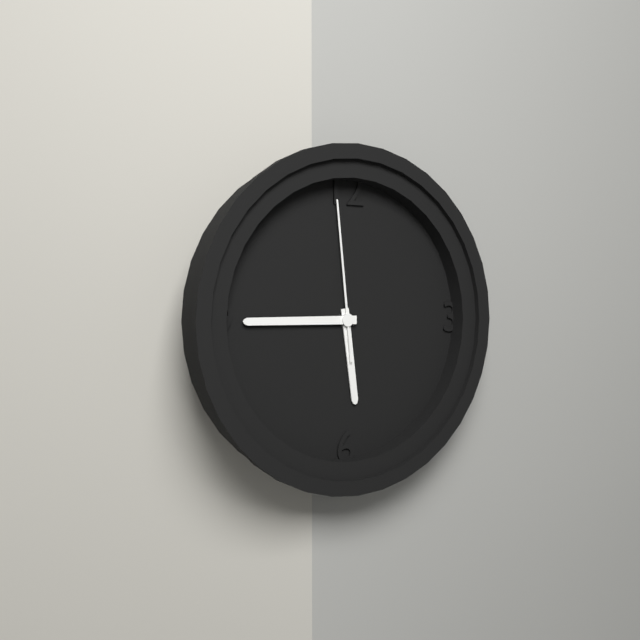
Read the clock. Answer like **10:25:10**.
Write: **5:45:59**
